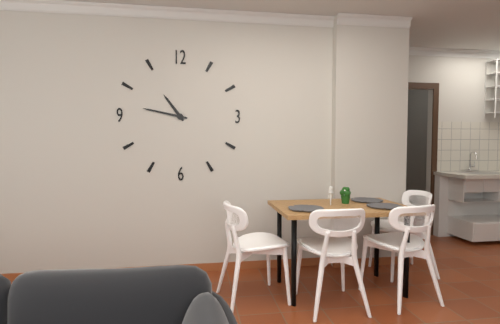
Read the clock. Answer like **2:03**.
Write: **10:47**
